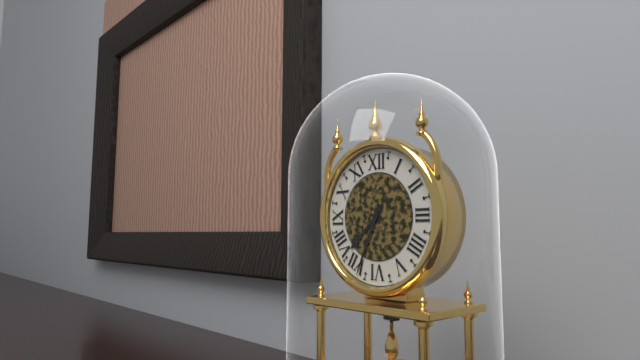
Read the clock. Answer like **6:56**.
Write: **7:34**
